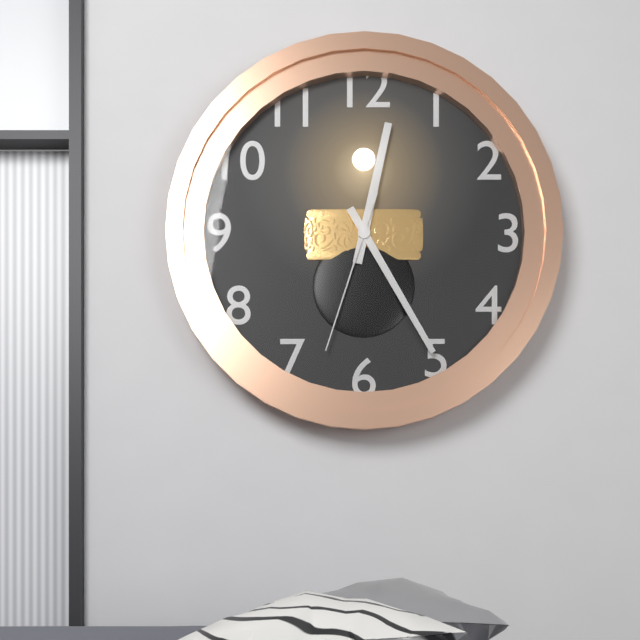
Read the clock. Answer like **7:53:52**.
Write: **12:25:33**
